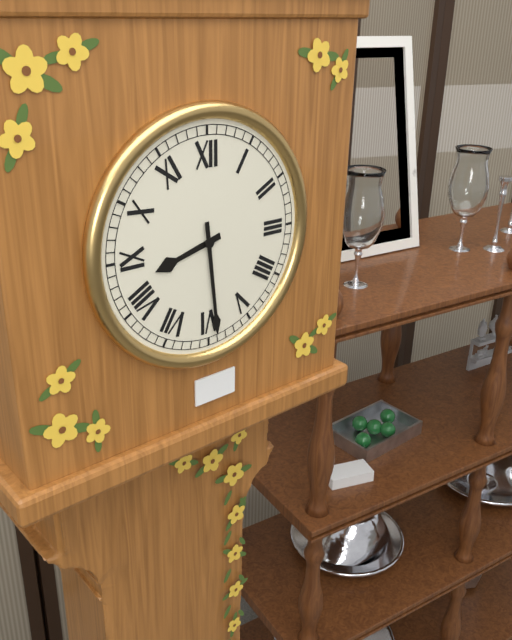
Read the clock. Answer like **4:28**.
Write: **8:29**
